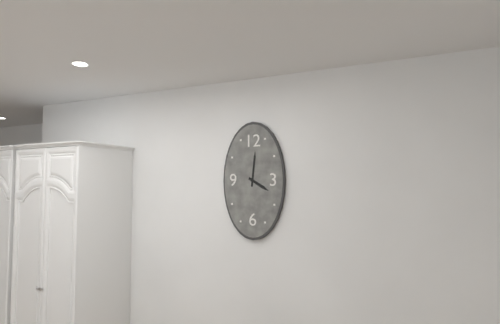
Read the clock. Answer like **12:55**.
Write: **4:01**
